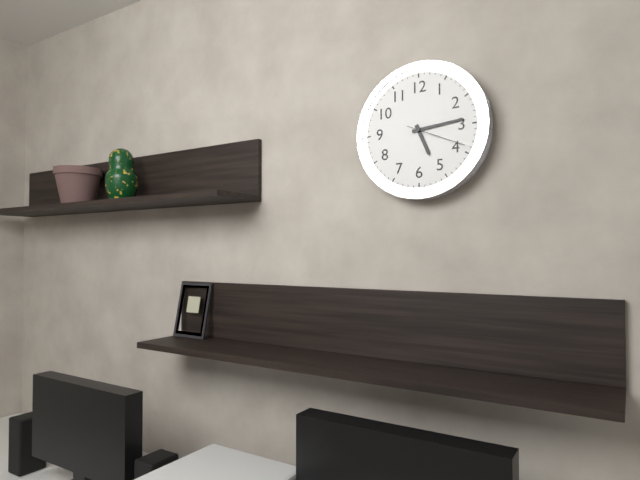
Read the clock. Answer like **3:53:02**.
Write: **5:14:19**
